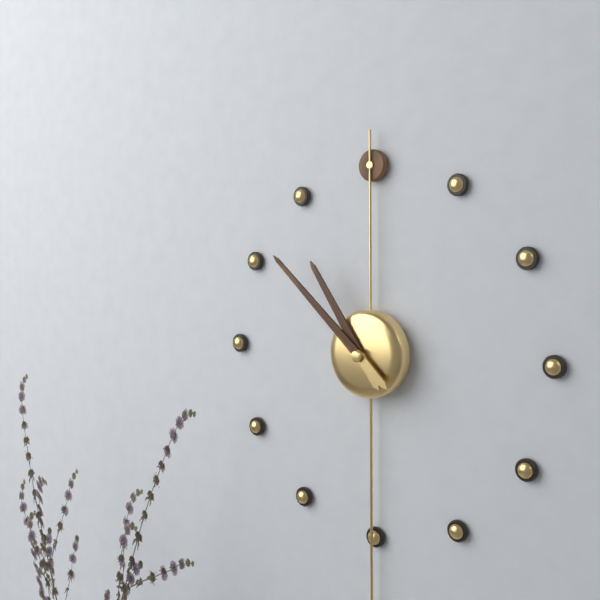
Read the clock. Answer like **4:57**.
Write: **10:52**
